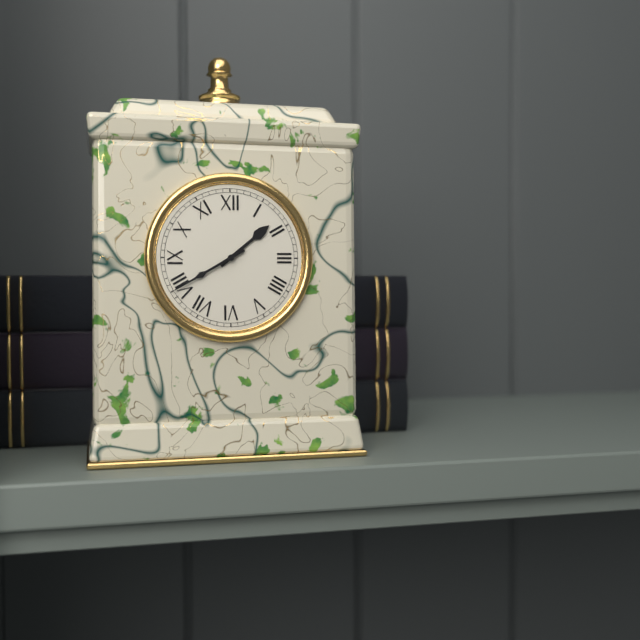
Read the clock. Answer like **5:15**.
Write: **1:40**
